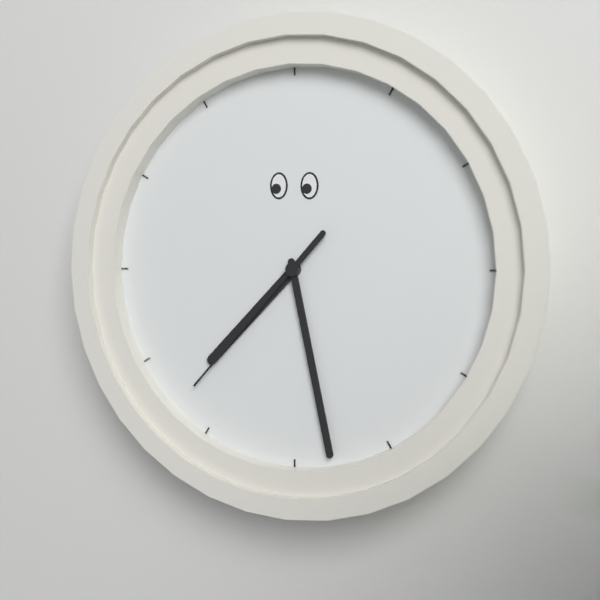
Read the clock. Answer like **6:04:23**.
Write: **7:28:37**
